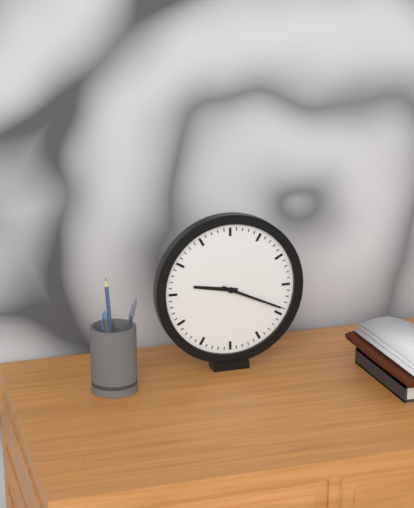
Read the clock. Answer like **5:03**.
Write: **9:19**
